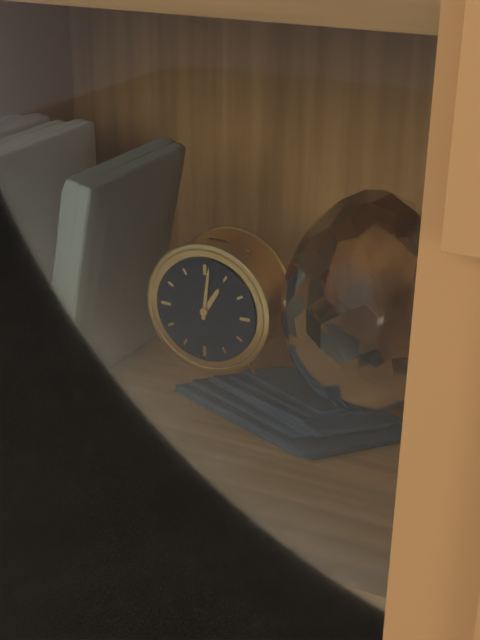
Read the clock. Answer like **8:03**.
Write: **1:01**
